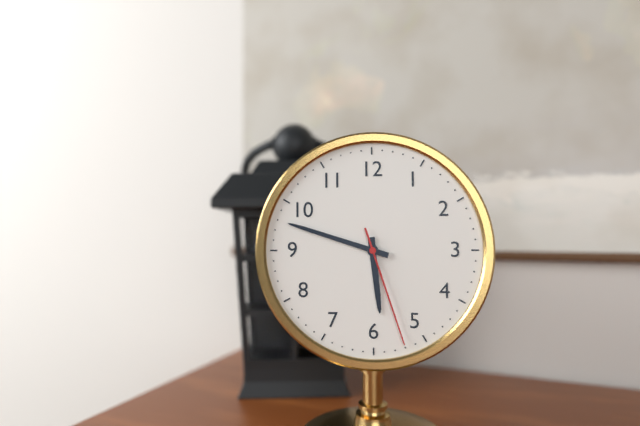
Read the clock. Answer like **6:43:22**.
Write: **5:48:27**
